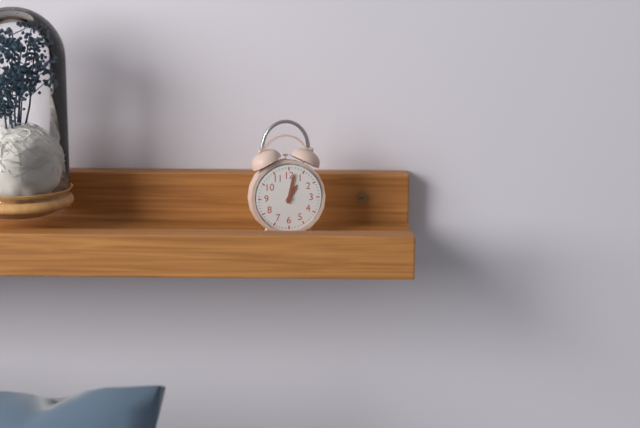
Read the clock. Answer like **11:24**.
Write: **1:02**
